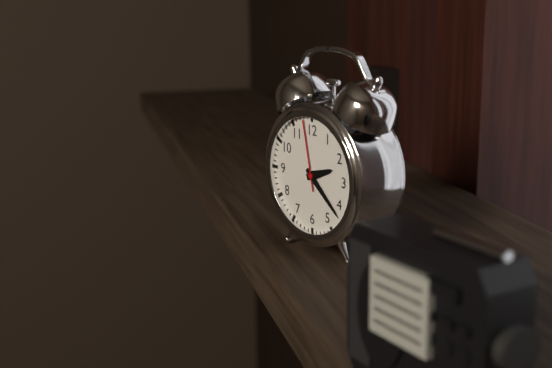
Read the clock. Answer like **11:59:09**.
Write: **2:22:58**
